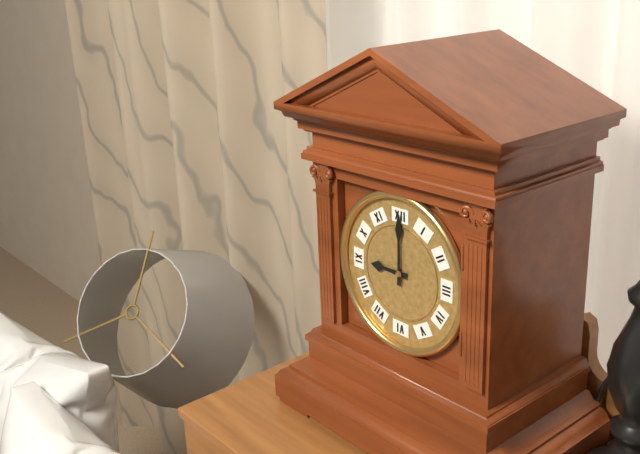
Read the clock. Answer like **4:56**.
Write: **9:00**
